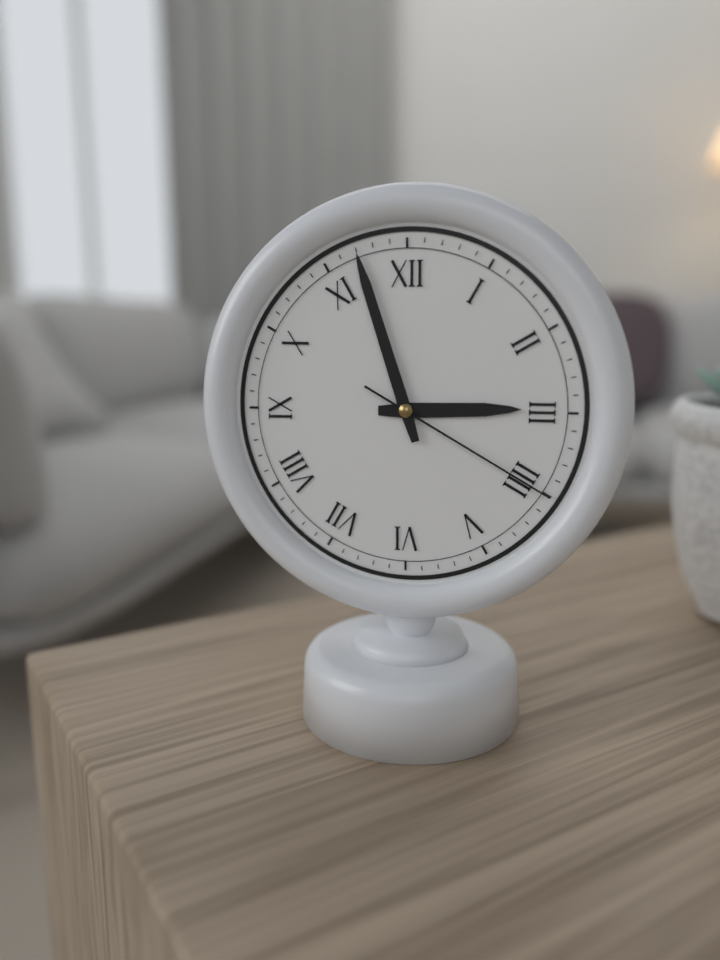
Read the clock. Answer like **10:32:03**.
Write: **2:57:20**
